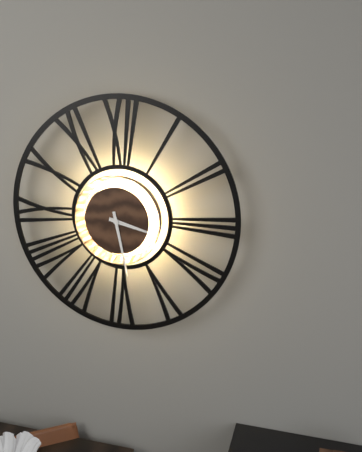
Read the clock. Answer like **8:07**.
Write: **3:28**
